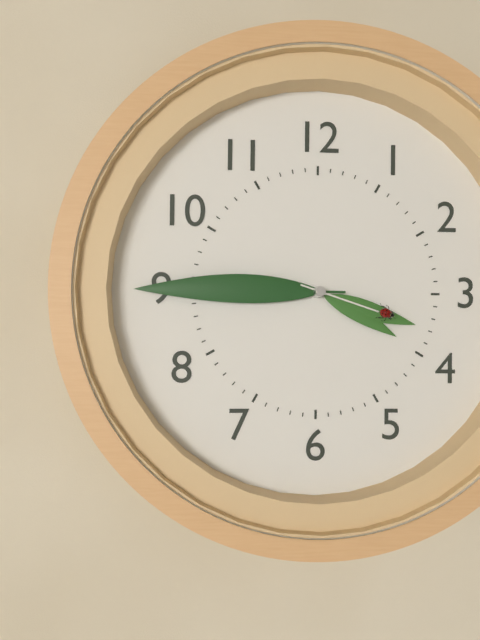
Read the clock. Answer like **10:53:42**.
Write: **3:45:18**
